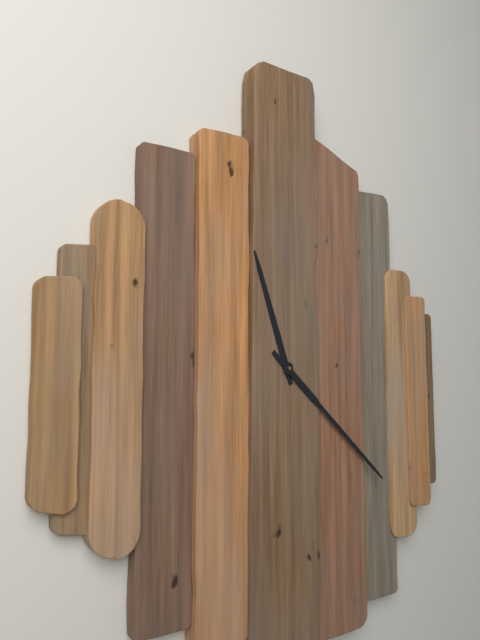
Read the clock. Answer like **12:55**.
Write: **11:22**
